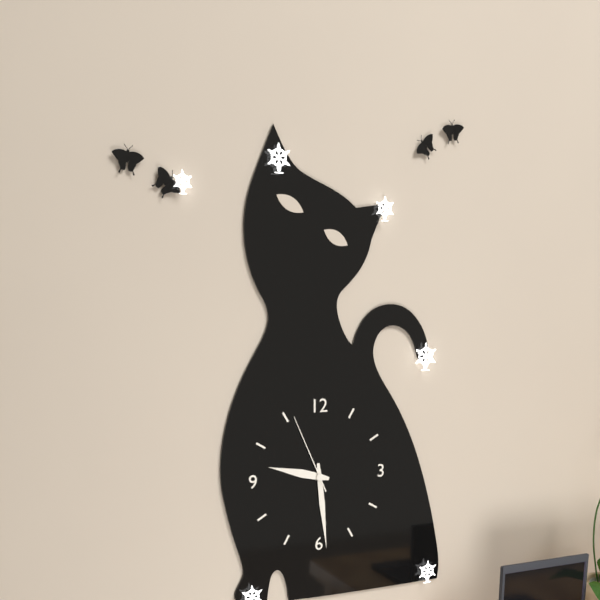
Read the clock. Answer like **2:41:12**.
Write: **9:29:56**
